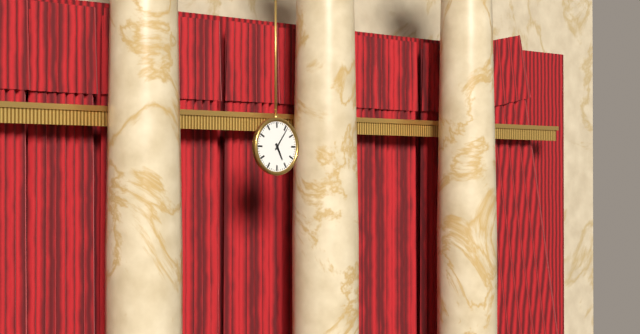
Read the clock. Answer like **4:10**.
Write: **5:06**
